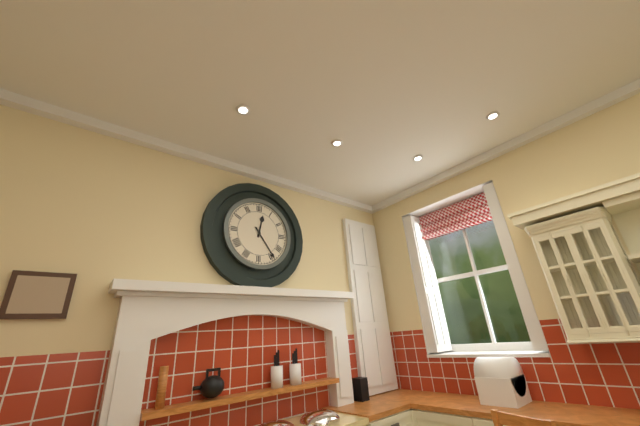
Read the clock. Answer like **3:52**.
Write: **12:24**
